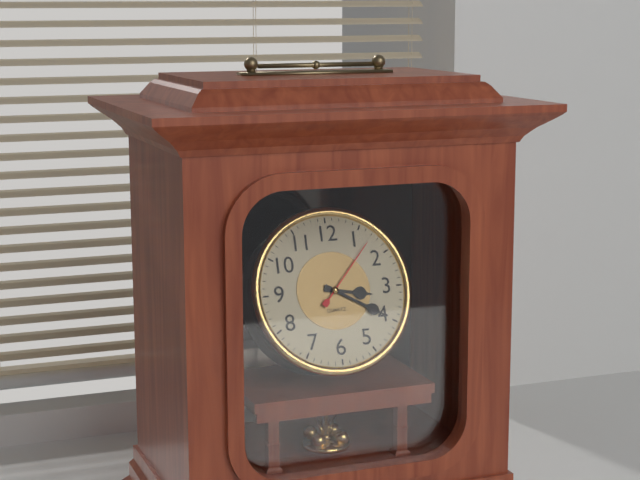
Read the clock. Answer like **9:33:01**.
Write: **3:20:07**
